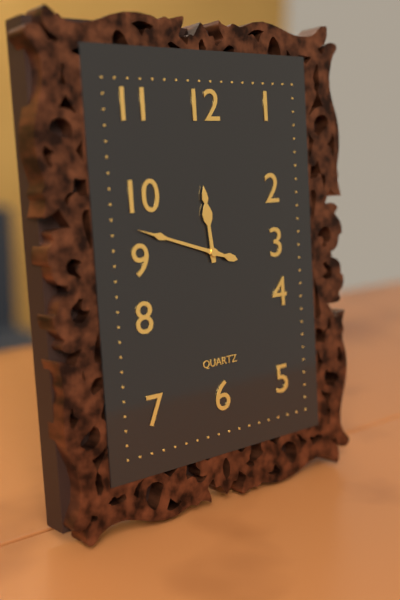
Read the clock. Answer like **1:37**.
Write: **11:48**
